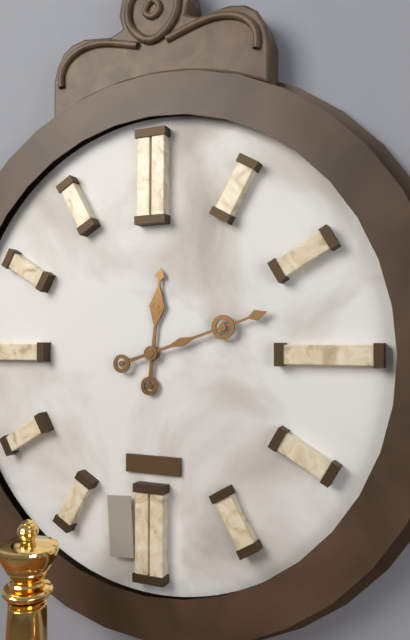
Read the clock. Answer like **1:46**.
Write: **12:12**
